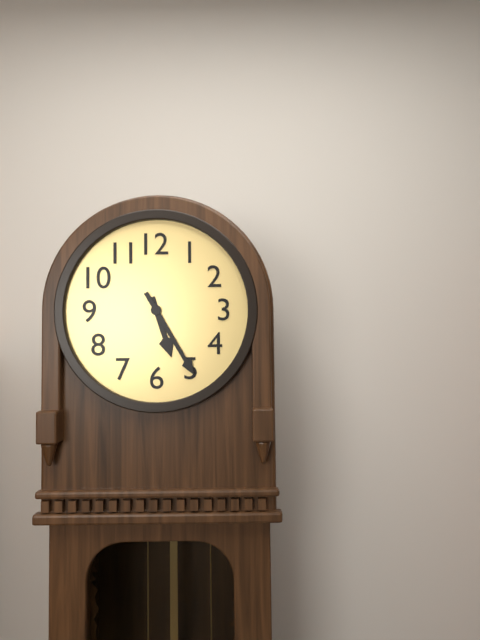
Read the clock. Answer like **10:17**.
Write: **5:25**
